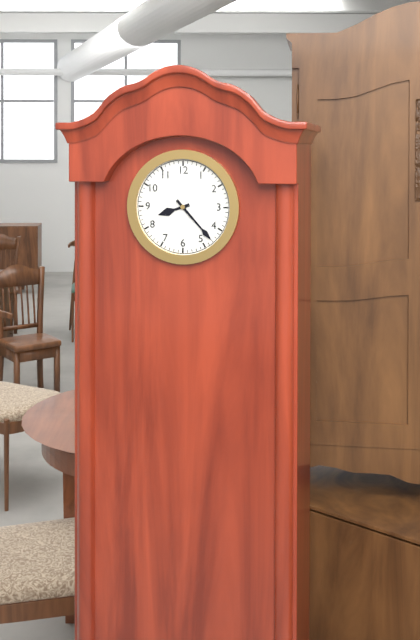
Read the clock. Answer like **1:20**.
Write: **8:23**
